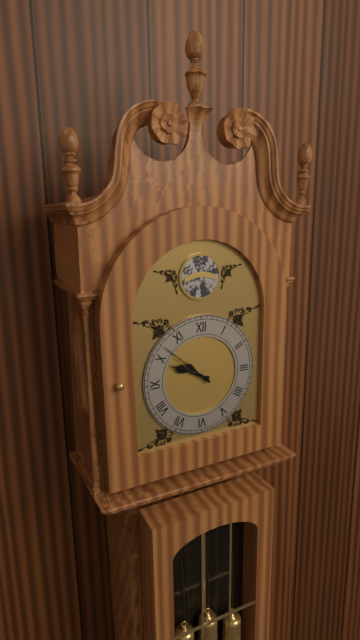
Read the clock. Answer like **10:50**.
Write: **9:52**
